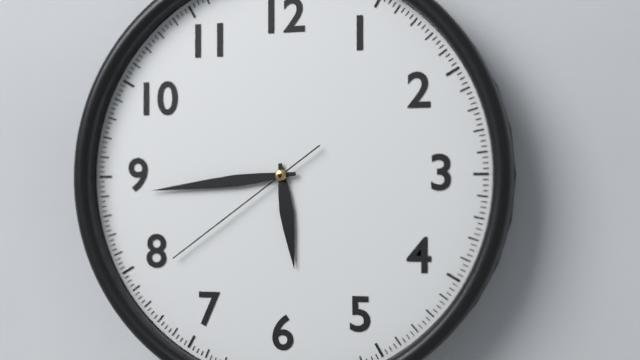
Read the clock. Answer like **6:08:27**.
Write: **5:44:39**
